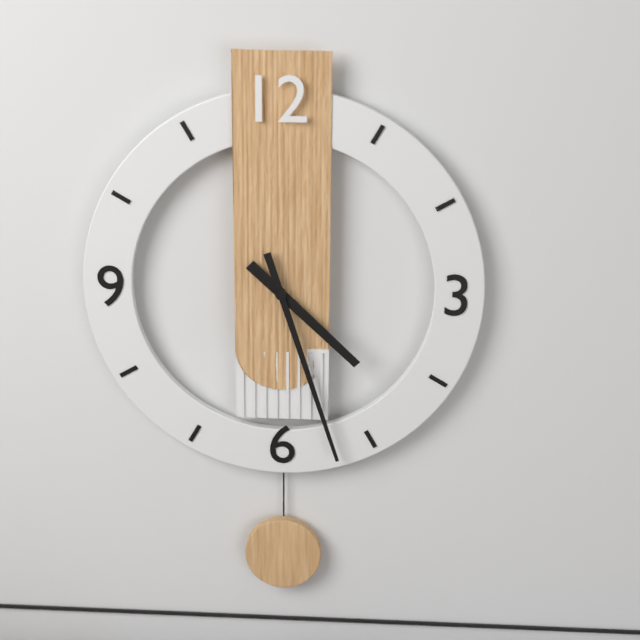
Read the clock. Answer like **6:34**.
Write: **4:27**
